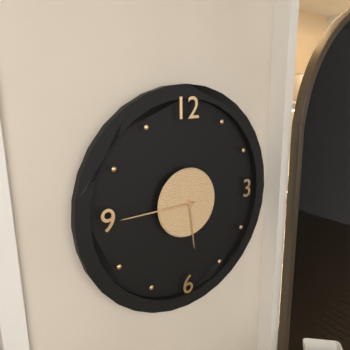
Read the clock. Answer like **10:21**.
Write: **5:45**
